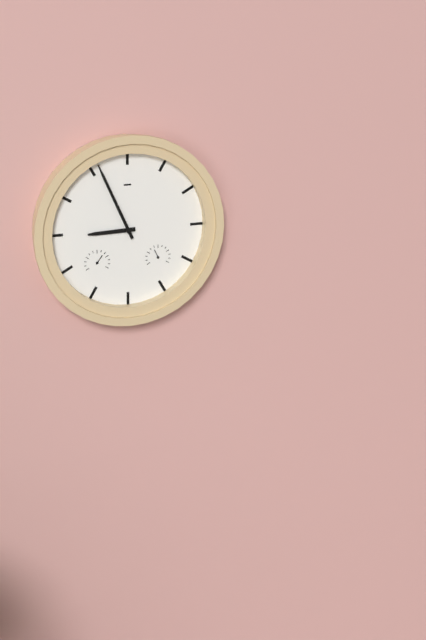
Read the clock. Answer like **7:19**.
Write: **8:56**
